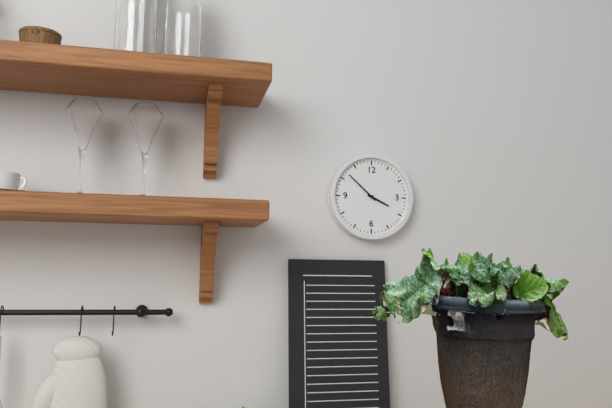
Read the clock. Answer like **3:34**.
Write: **3:52**
